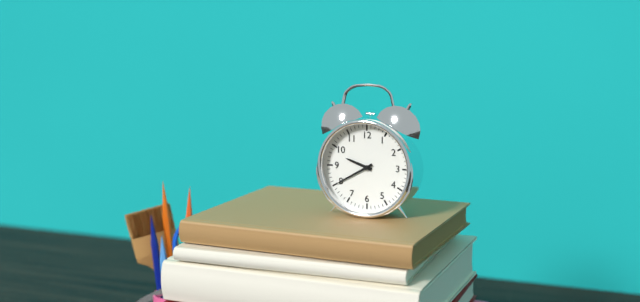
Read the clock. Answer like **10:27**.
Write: **9:40**
